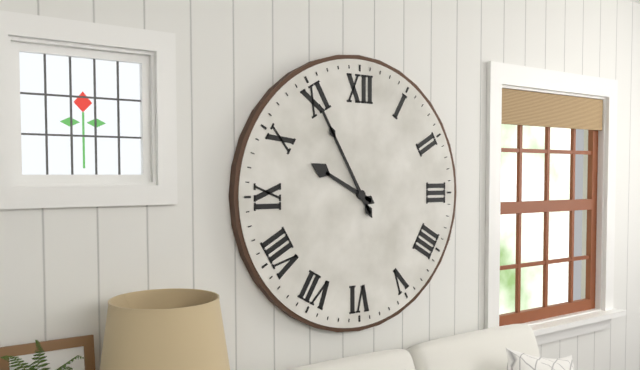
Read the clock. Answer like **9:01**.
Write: **9:55**
